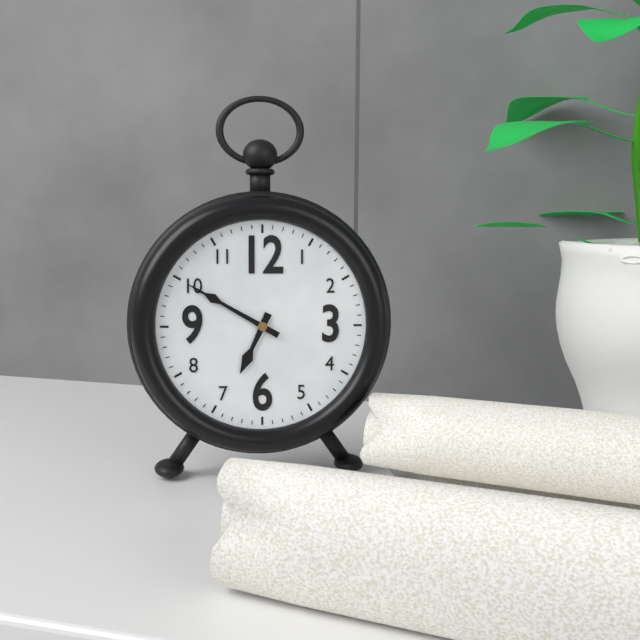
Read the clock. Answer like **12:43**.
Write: **6:50**
